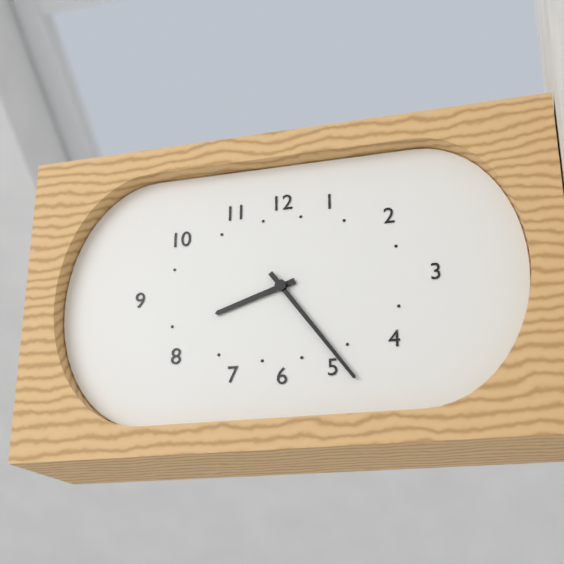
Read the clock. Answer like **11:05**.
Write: **8:24**
